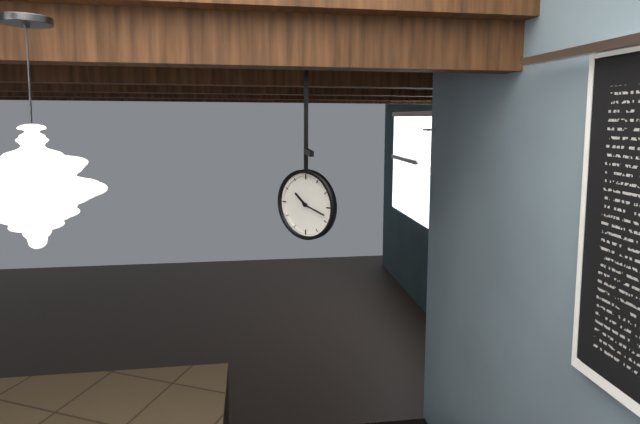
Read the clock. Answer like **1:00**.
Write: **10:18**
